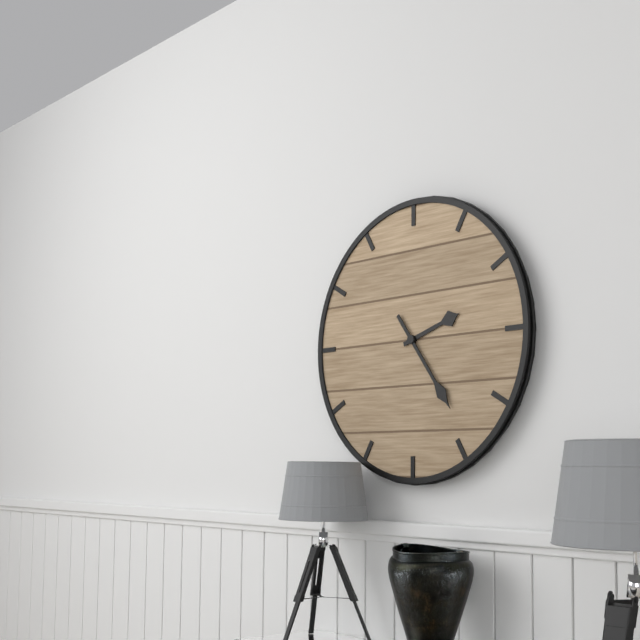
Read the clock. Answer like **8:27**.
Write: **2:24**
